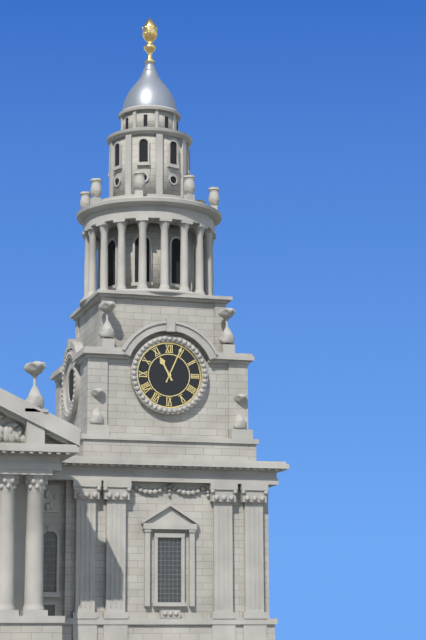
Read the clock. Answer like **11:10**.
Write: **11:04**
